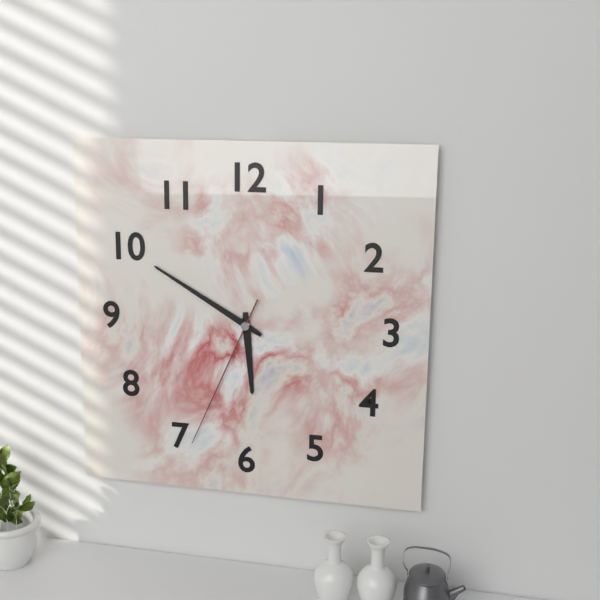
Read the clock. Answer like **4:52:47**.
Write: **5:50:34**
